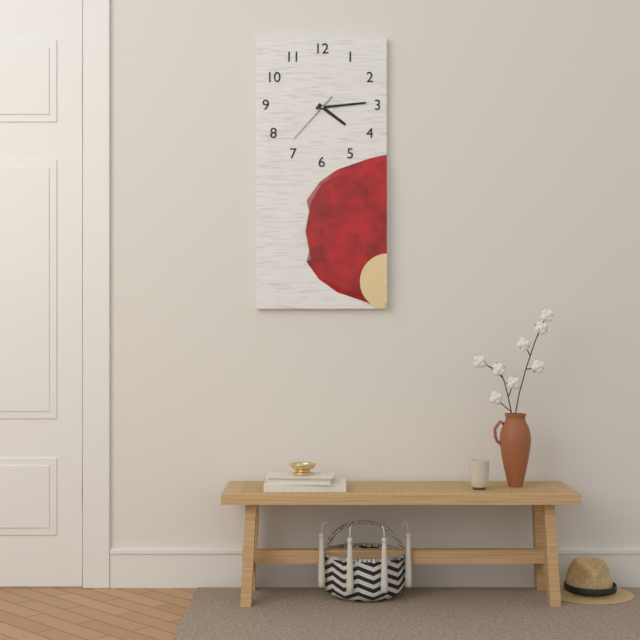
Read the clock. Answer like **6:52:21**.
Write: **4:14:37**
